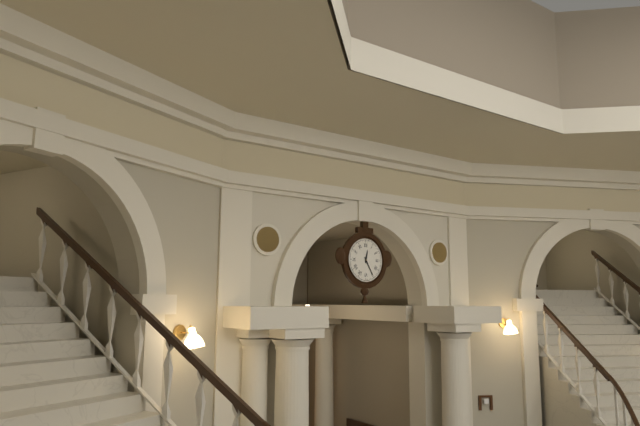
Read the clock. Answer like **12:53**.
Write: **12:25**
